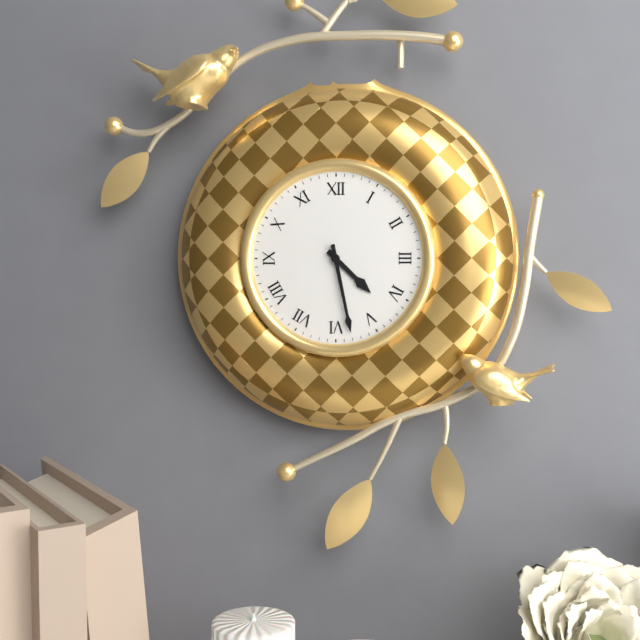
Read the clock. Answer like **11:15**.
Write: **4:28**
